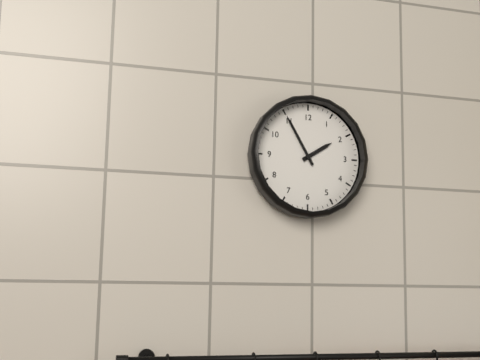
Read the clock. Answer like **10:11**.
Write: **1:55**
